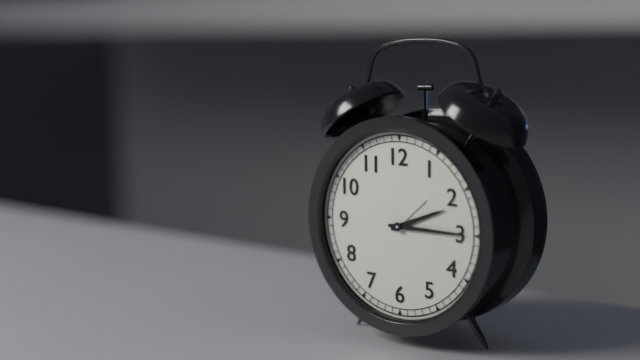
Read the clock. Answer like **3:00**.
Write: **2:15**
